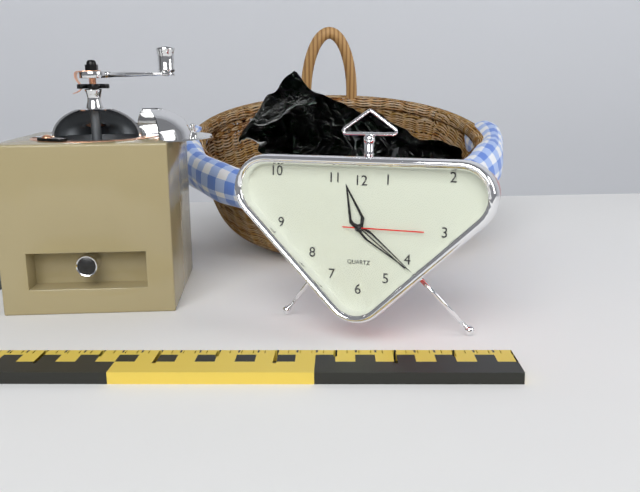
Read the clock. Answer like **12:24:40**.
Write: **11:21:15**
